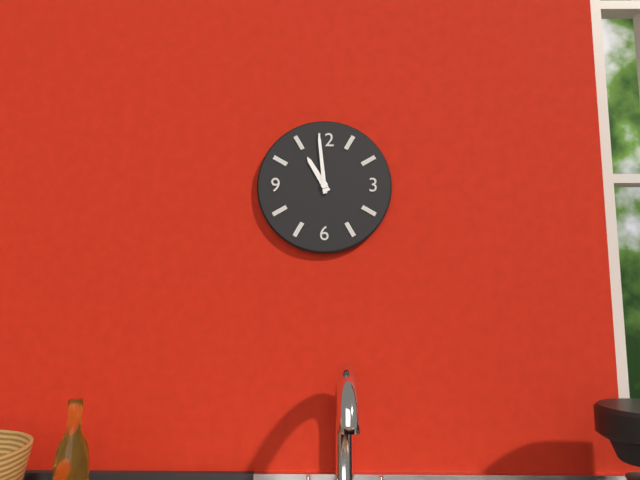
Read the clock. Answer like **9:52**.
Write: **10:59**
